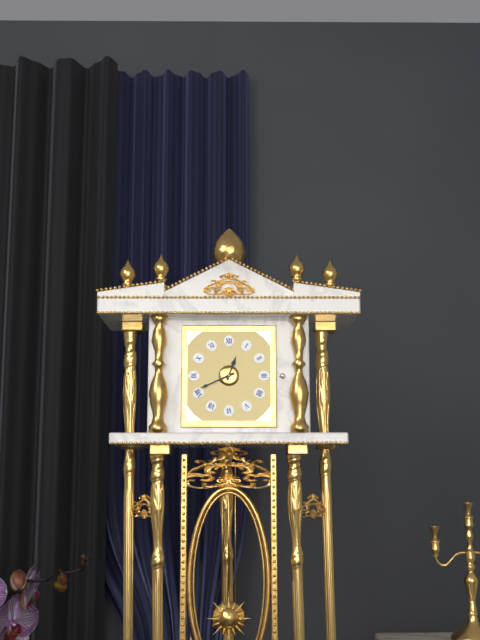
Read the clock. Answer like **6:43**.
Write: **12:41**
